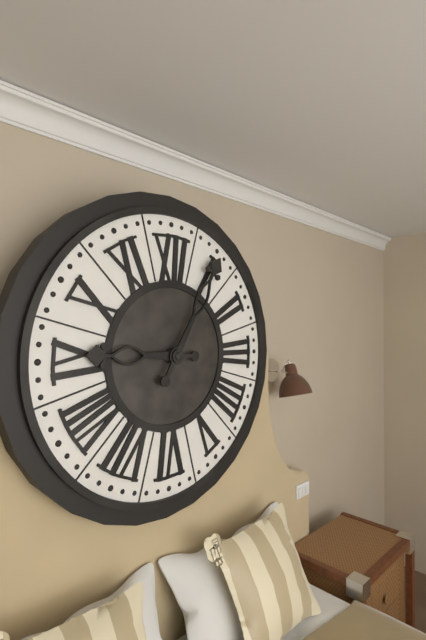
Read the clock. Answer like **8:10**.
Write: **9:05**
